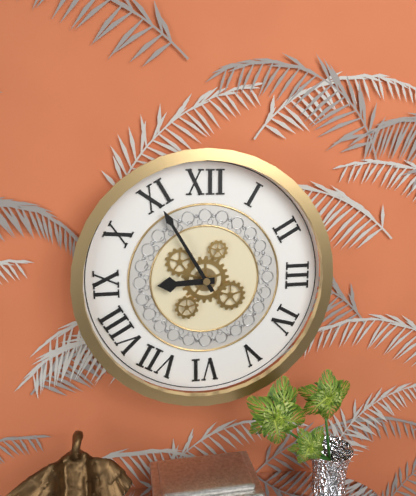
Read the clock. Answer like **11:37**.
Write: **8:55**
